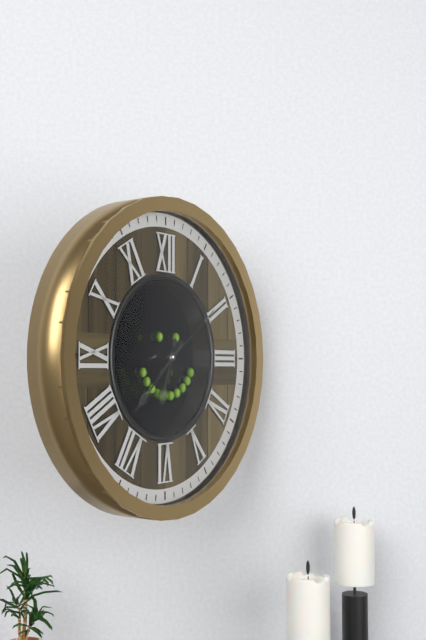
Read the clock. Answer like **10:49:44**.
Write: **6:38:09**
